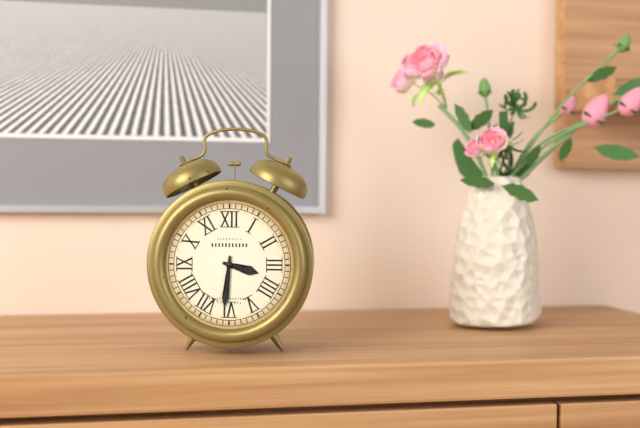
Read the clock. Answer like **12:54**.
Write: **3:31**
